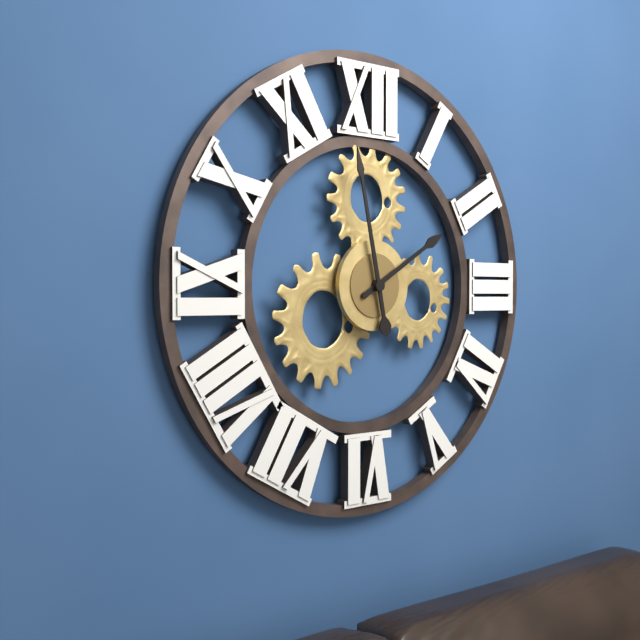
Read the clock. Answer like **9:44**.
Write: **1:58**
